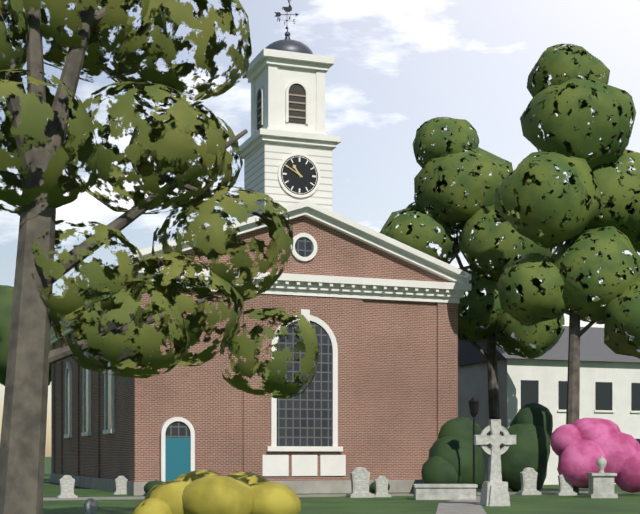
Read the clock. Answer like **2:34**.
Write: **10:50**
